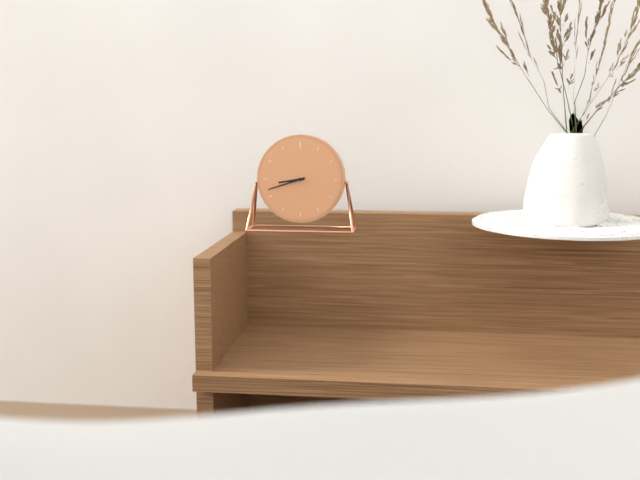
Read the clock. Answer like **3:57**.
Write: **8:42**
